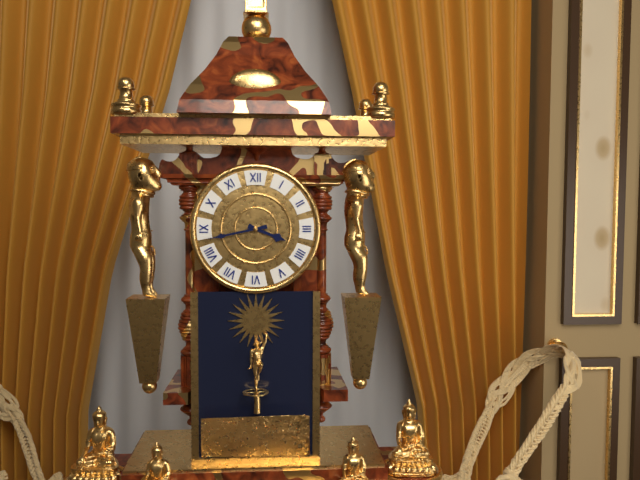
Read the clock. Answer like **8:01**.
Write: **3:43**
